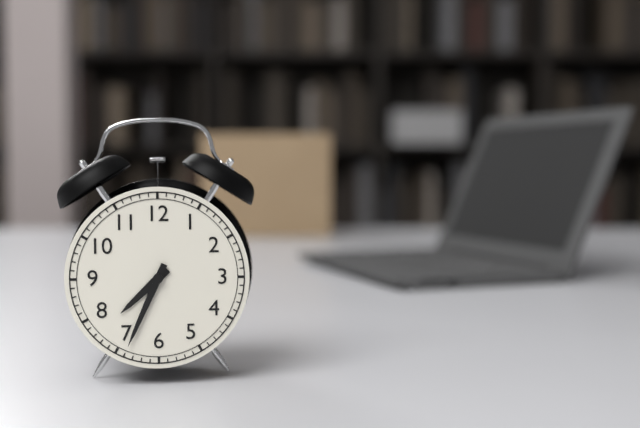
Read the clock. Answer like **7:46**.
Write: **7:34**
